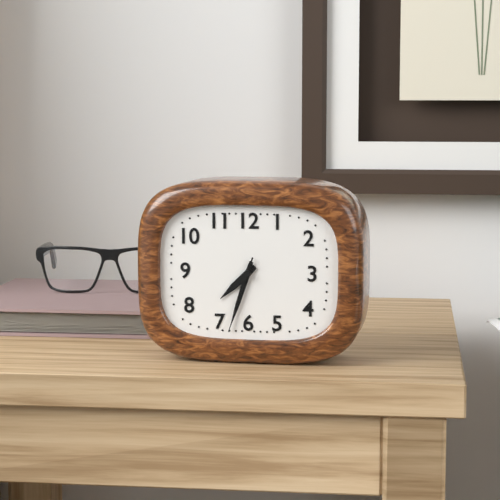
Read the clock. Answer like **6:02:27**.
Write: **7:33:33**
